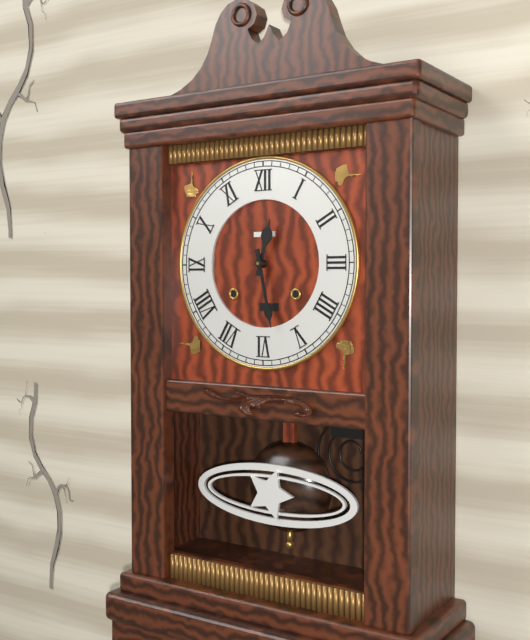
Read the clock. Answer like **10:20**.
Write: **12:28**
